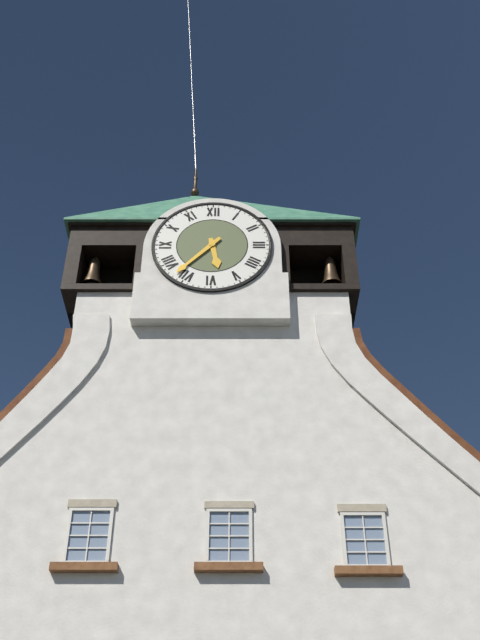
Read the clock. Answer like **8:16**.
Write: **5:37**
